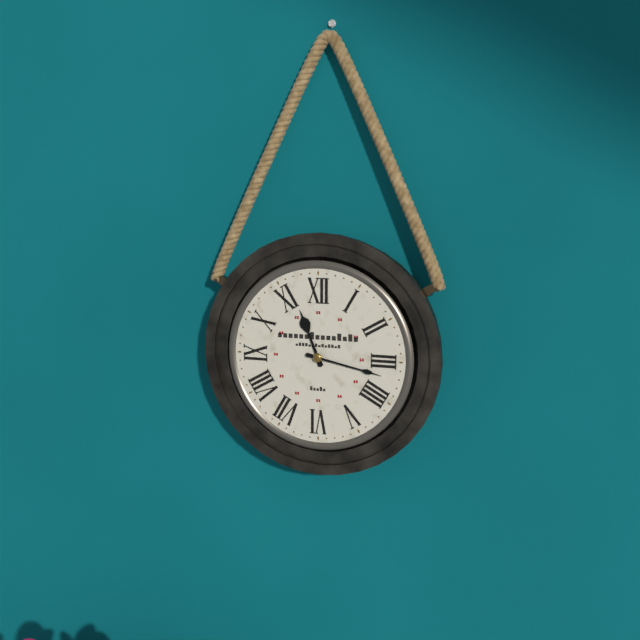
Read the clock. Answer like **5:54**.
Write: **11:17**
